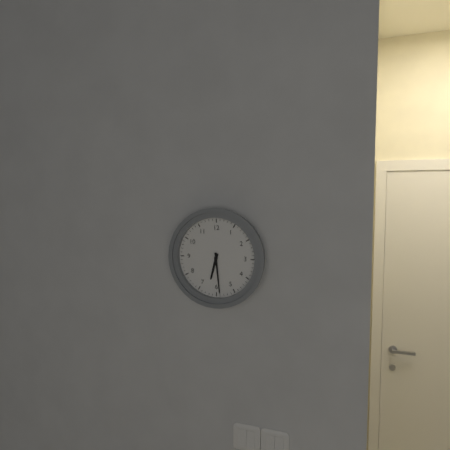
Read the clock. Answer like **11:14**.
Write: **6:29**
